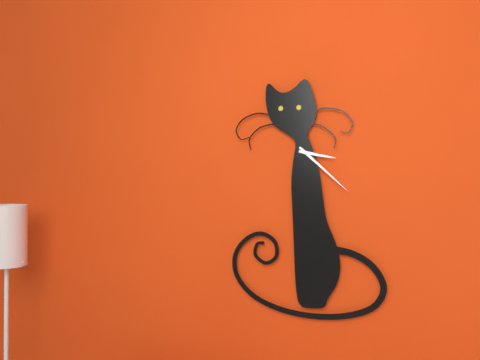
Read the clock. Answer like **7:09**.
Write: **3:22**
